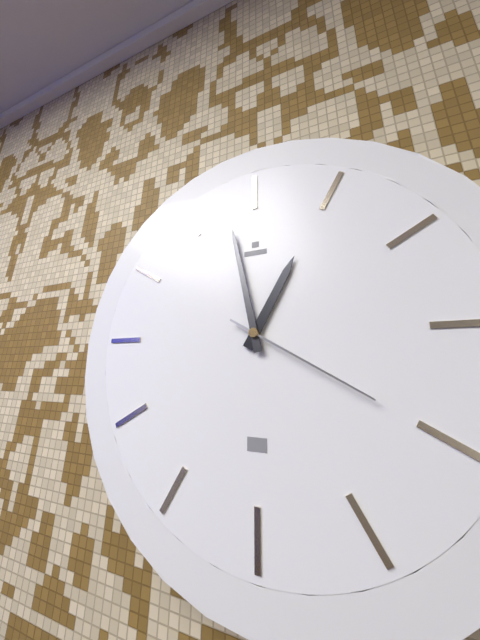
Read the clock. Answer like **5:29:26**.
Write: **12:58:20**
